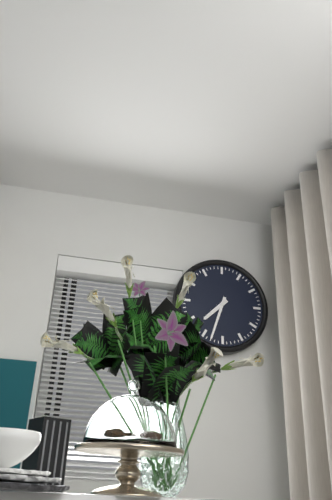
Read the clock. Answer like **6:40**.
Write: **7:33**
